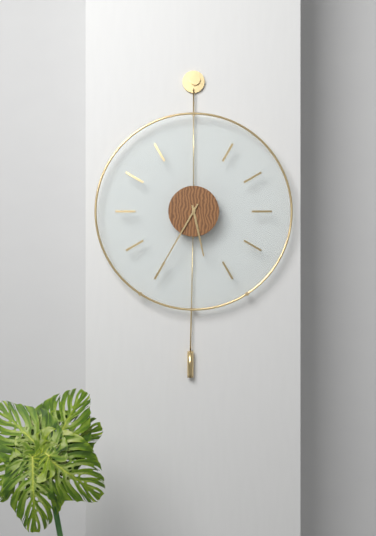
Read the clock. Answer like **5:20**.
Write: **5:35**
